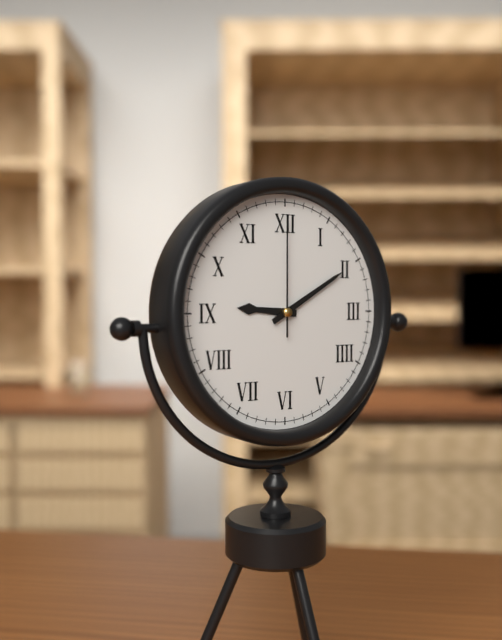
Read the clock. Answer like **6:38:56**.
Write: **9:10:00**
